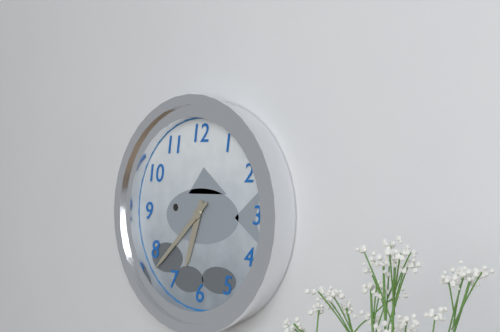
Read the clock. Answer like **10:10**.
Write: **6:38**
